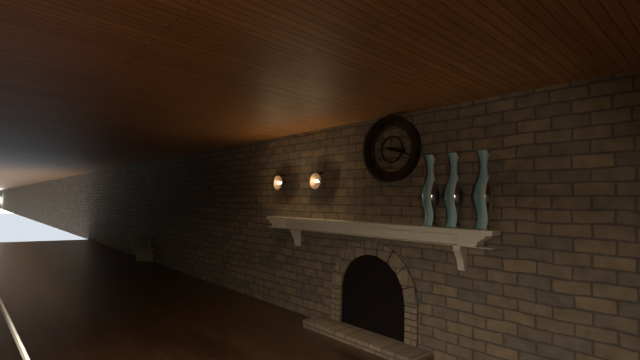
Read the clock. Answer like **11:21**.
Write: **3:18**
